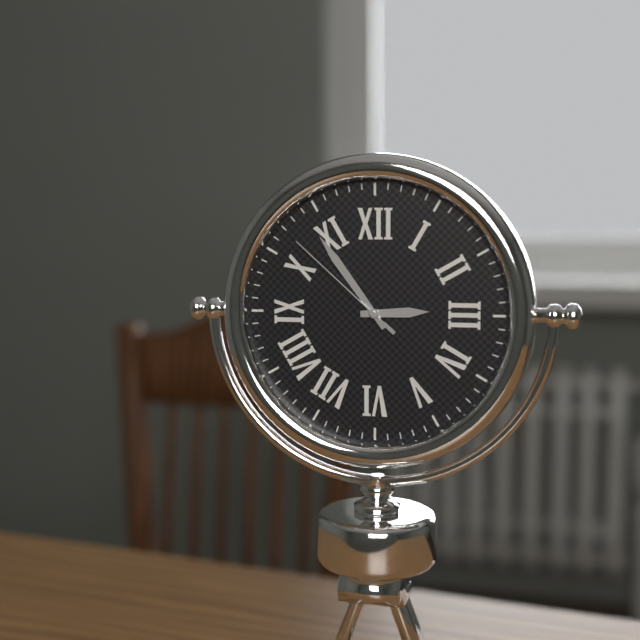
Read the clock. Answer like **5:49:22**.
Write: **2:54:52**
